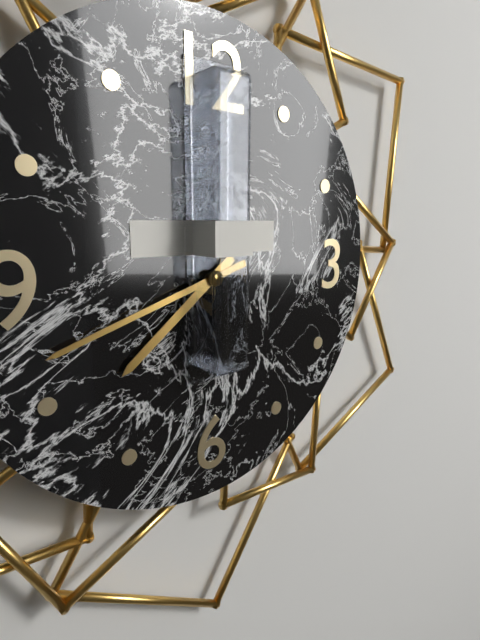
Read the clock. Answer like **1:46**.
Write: **7:42**
